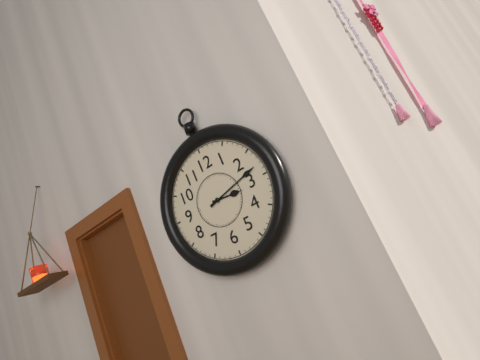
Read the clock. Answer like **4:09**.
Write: **3:13**
